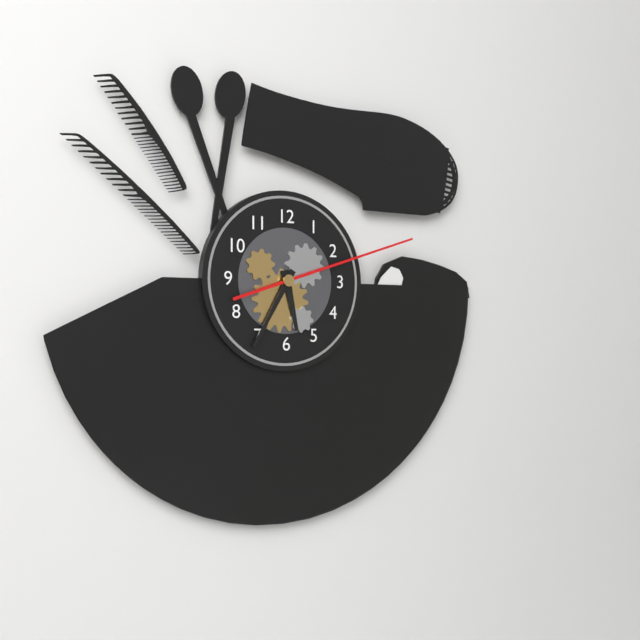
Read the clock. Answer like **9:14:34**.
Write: **5:35:12**
